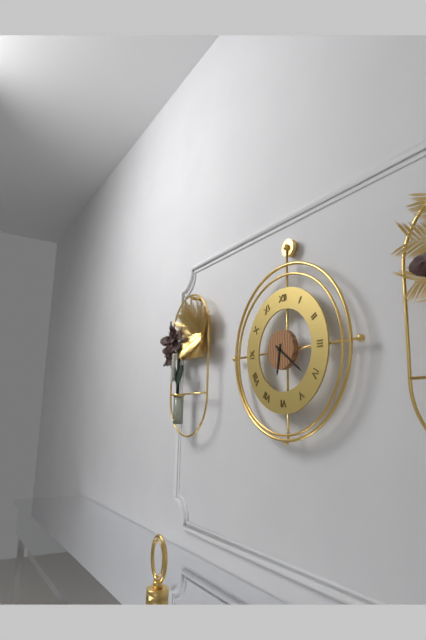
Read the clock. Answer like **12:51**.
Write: **6:21**
